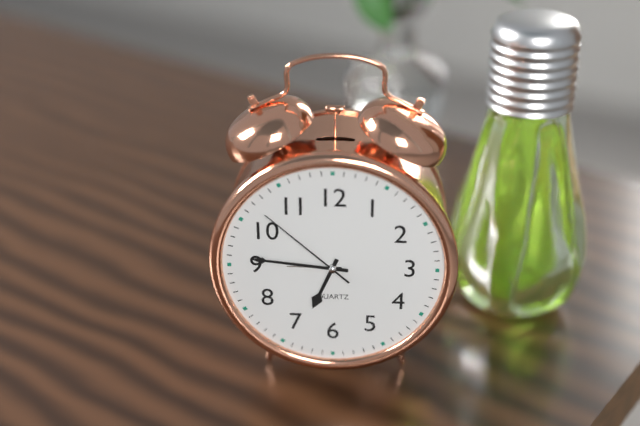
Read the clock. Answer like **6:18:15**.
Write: **6:46:52**
